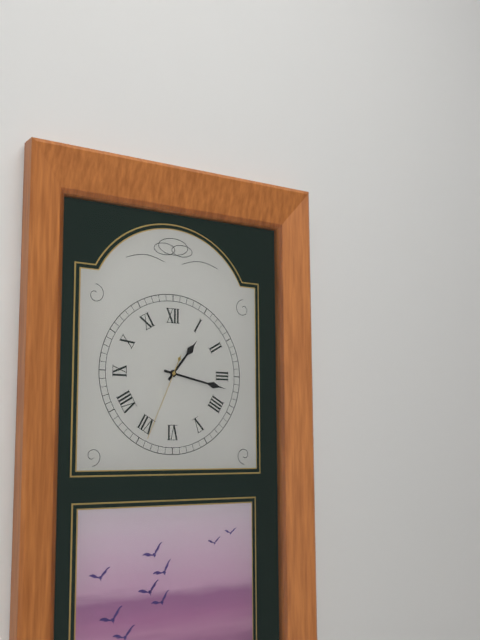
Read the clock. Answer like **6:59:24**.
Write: **1:17:34**
